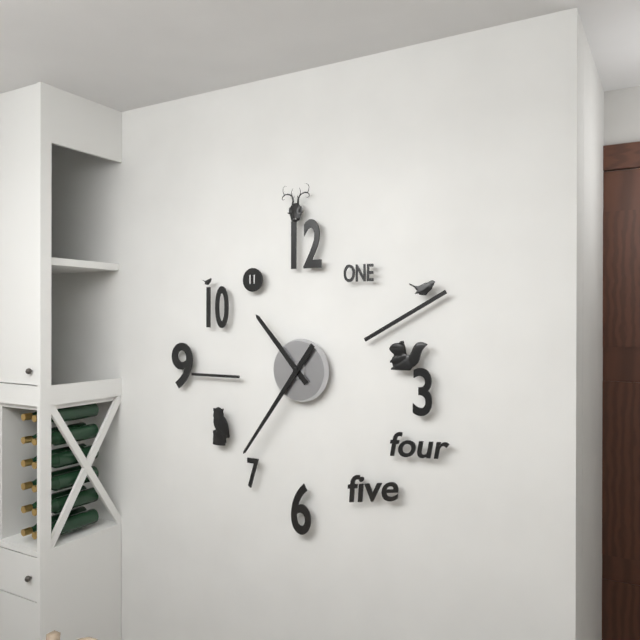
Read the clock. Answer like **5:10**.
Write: **10:36**
